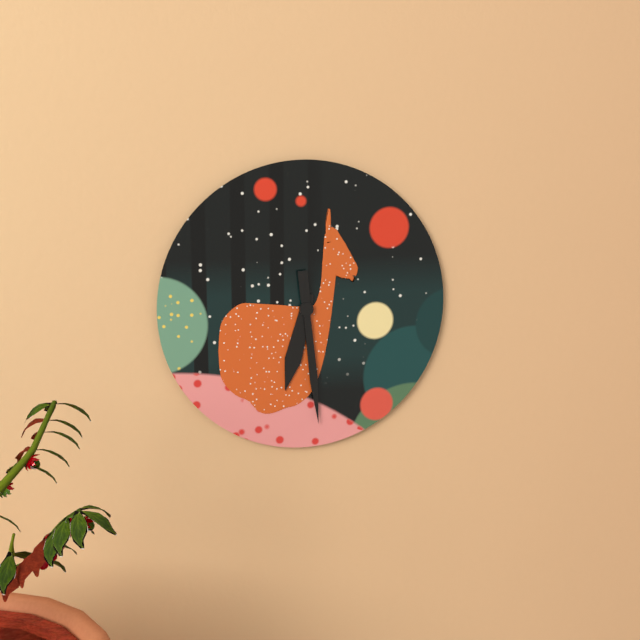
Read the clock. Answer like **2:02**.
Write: **6:29**
